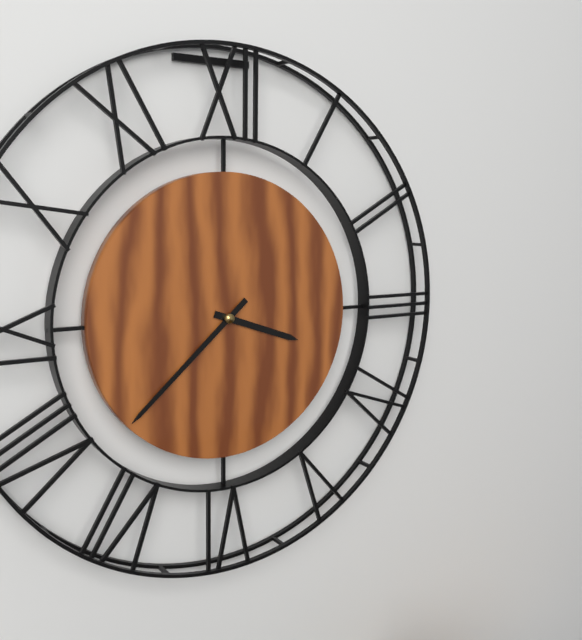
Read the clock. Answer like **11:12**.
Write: **3:38**
